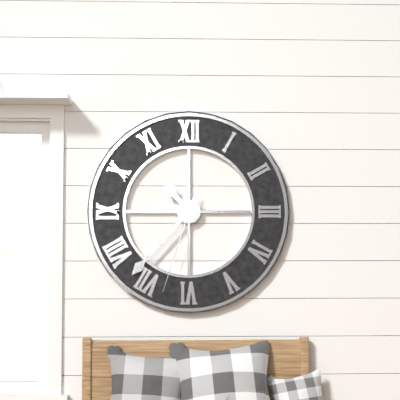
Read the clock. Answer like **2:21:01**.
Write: **10:37:33**
